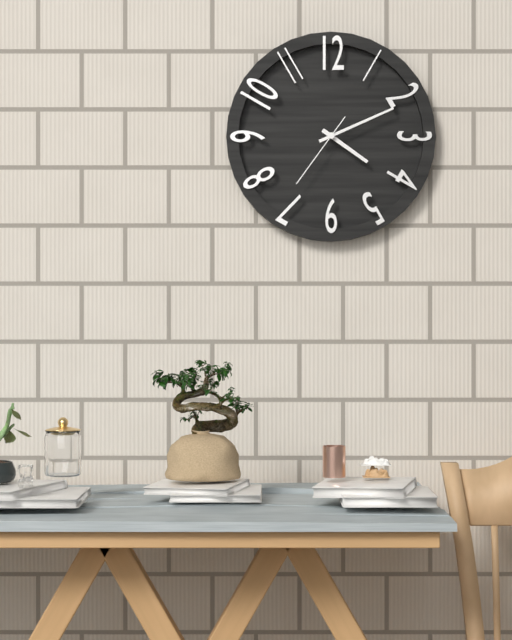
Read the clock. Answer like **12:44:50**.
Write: **4:11:36**
